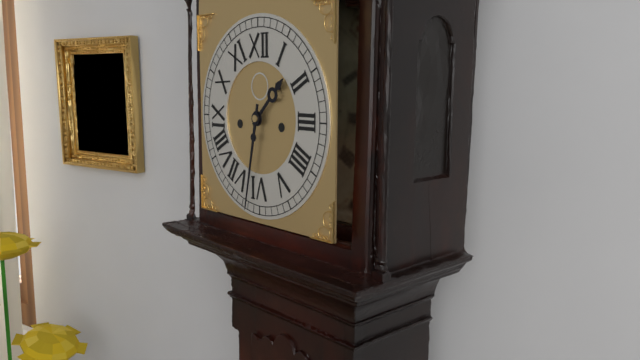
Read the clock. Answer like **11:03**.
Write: **1:32**
